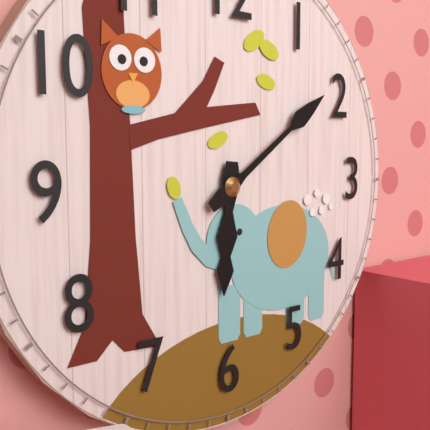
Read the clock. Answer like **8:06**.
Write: **6:09**
